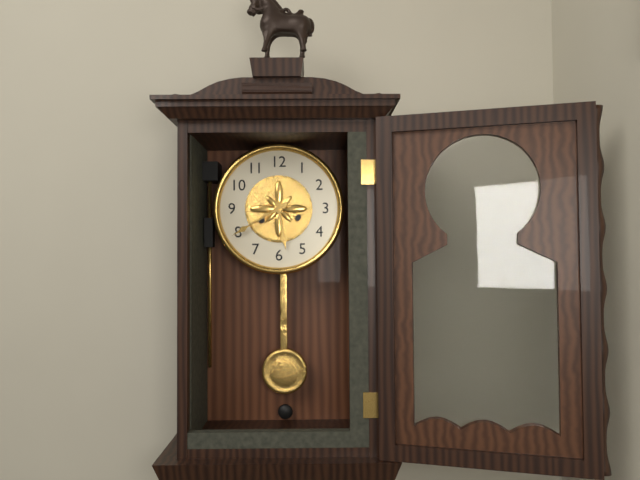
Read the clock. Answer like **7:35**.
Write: **5:40**
